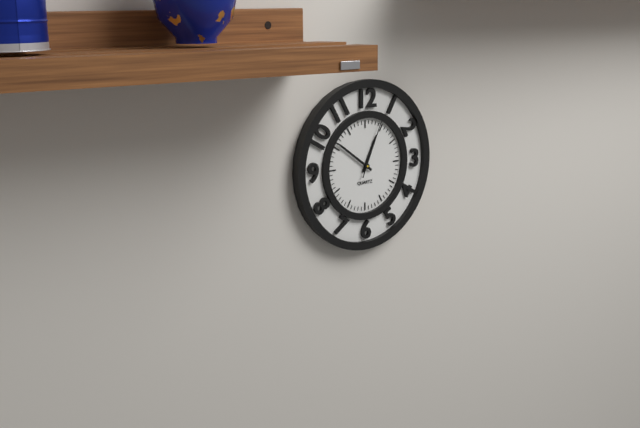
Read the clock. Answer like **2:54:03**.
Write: **12:51:04**
